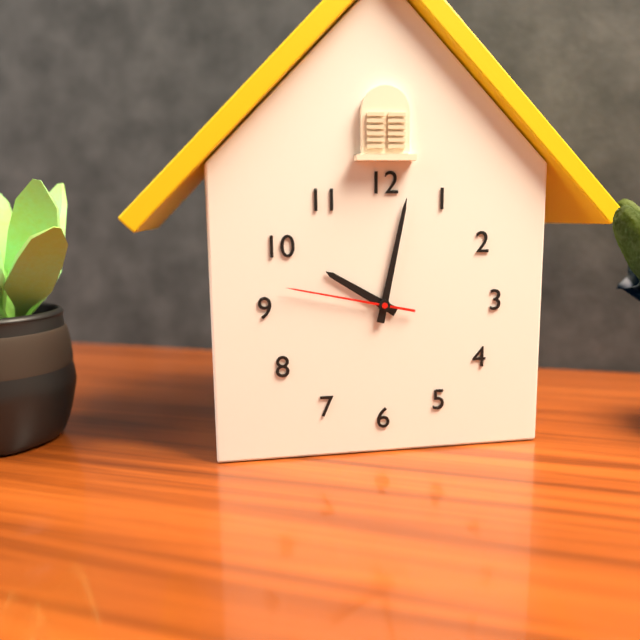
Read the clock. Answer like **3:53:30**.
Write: **10:02:47**
